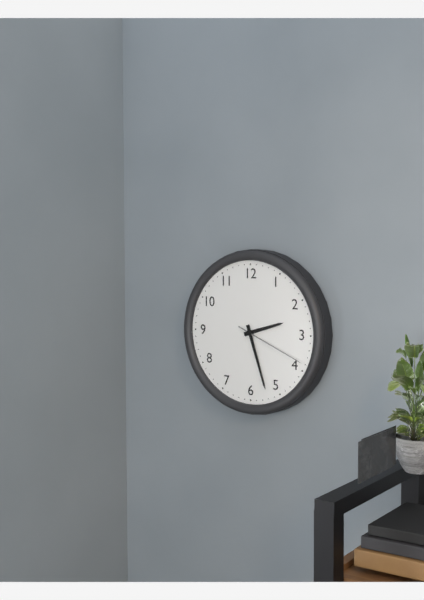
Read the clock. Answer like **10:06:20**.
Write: **2:27:19**
